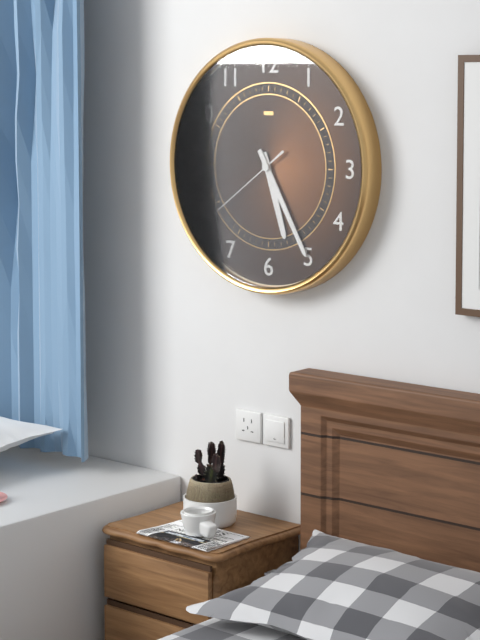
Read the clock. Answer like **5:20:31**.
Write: **5:25:39**
